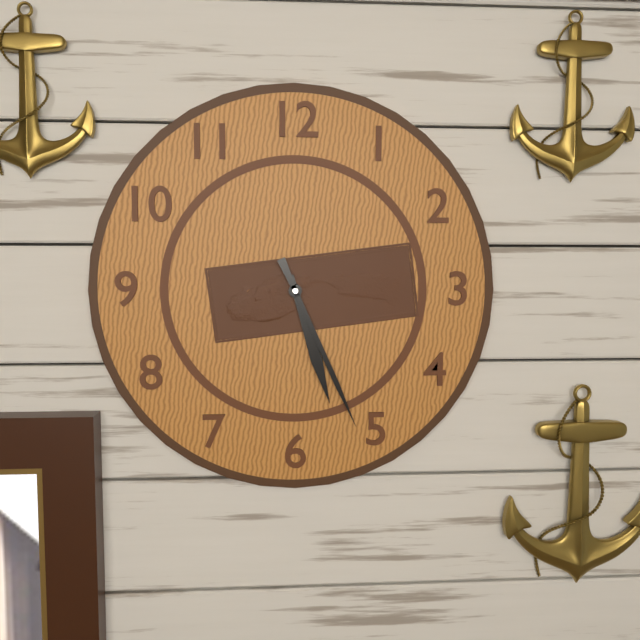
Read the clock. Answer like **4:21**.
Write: **5:26**
